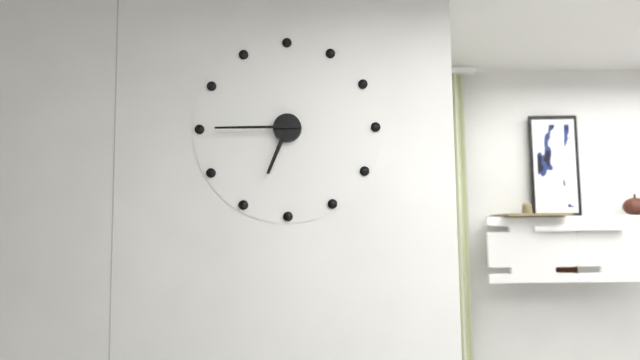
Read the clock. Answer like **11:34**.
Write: **6:45**
